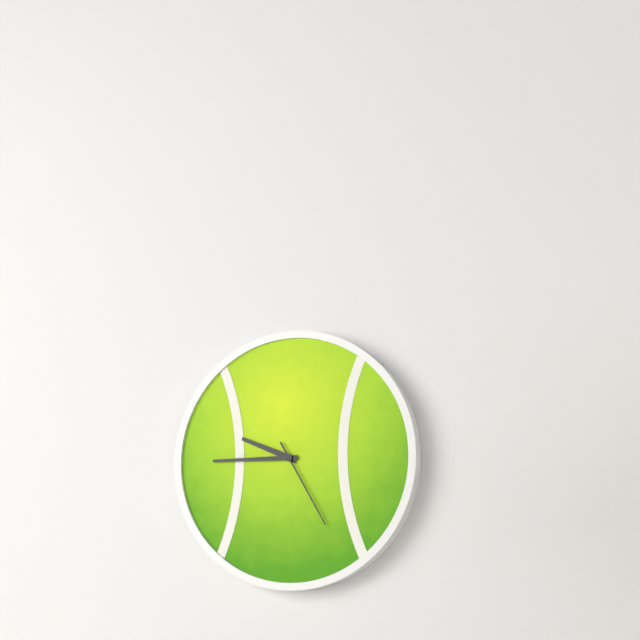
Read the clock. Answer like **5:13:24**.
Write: **9:45:25**
